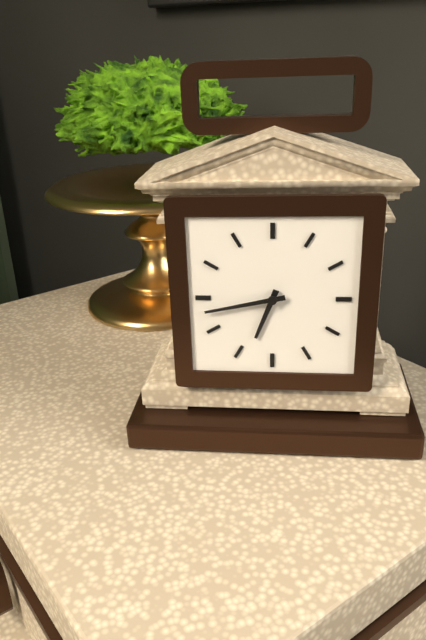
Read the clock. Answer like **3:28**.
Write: **6:43**
